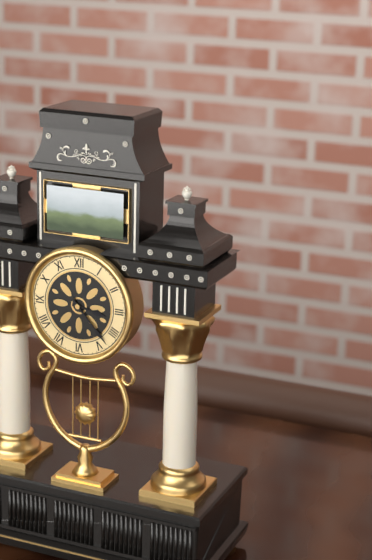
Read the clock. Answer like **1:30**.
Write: **3:23**
